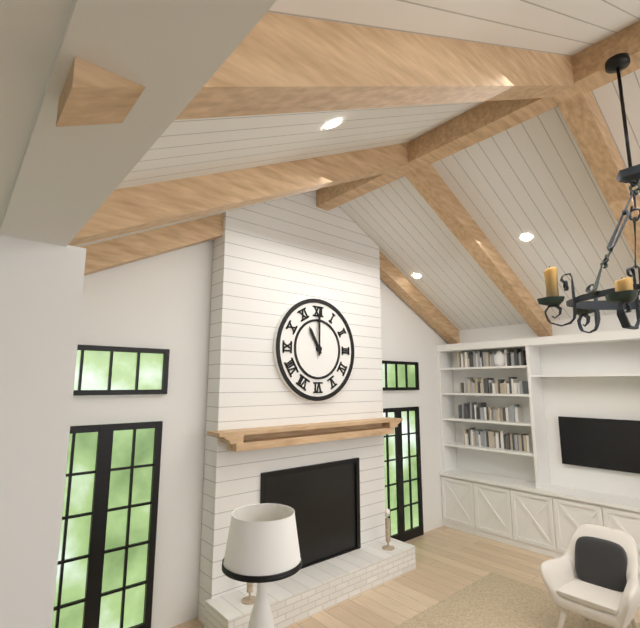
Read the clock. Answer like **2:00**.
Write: **11:00**
